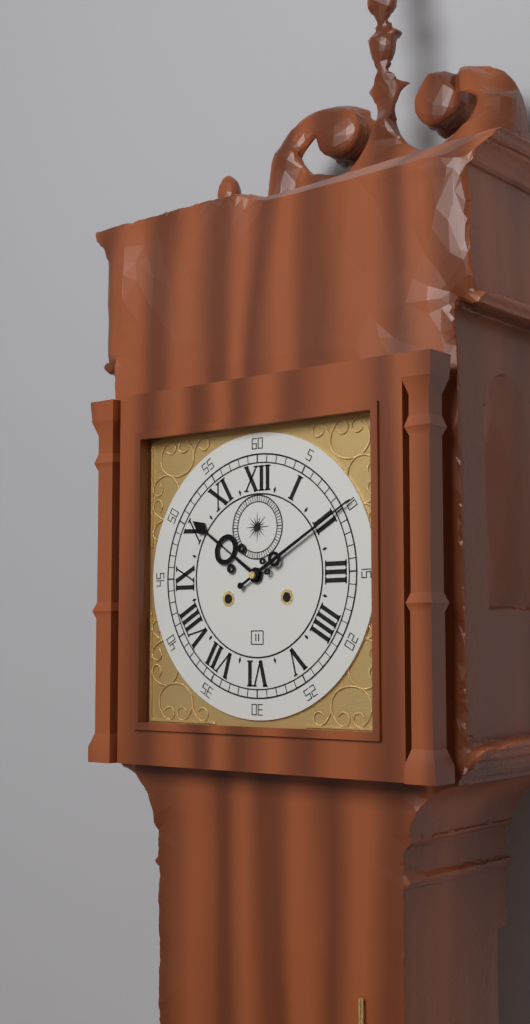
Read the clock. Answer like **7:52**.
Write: **10:10**
